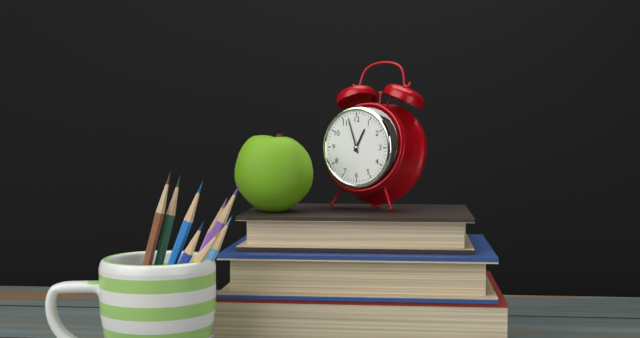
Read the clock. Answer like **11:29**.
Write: **12:57**
